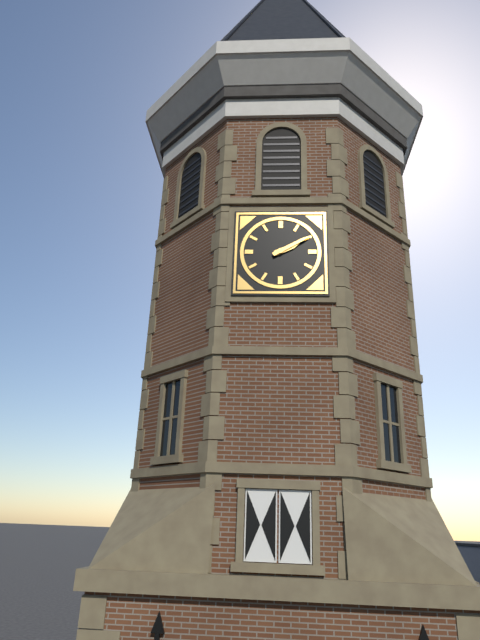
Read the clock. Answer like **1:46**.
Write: **2:10**
